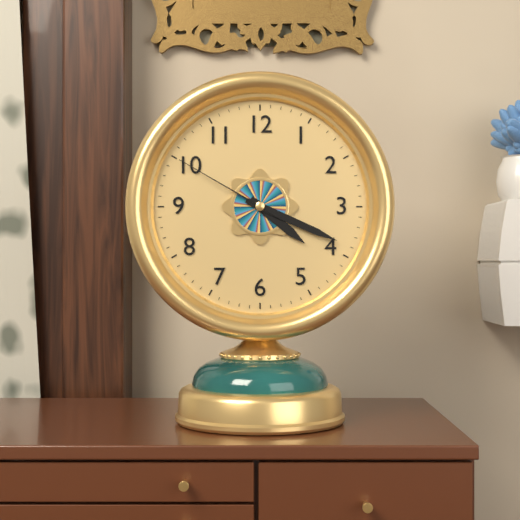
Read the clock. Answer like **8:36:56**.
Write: **4:19:50**
